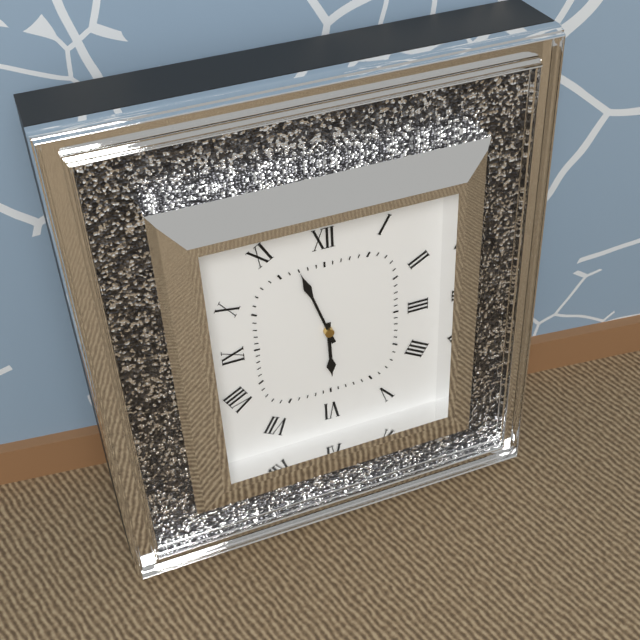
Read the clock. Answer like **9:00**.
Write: **5:57**
